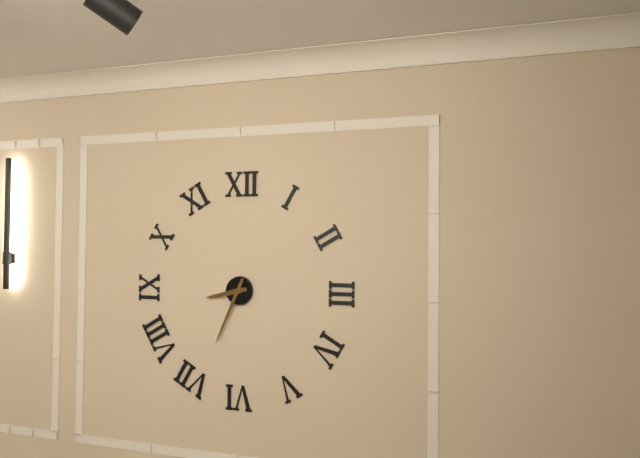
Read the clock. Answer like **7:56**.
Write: **8:34**
